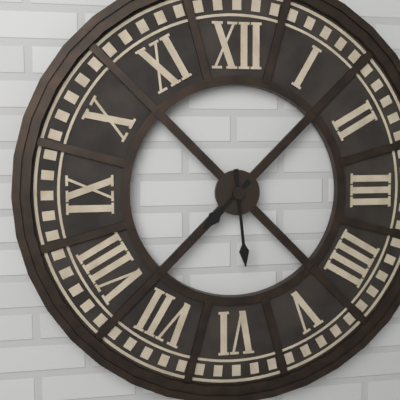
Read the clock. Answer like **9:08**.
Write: **7:29**
